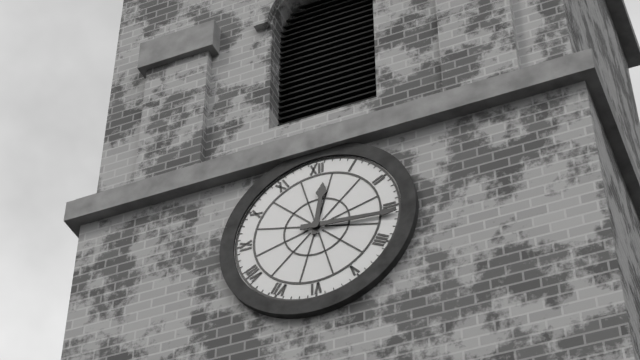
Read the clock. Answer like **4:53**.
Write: **12:16**
